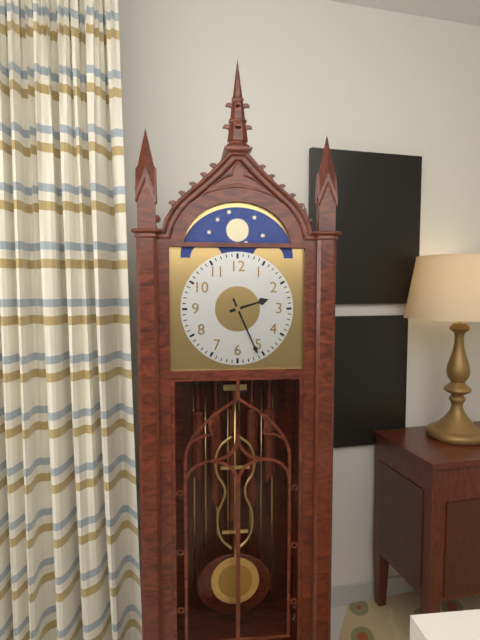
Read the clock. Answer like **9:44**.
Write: **2:26**
